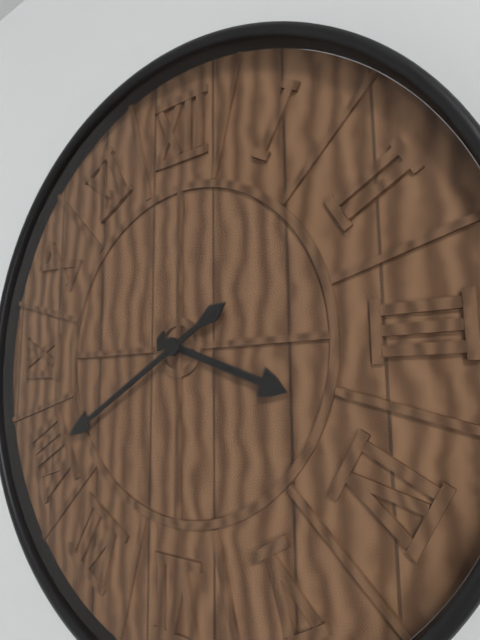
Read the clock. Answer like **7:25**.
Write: **3:40**
